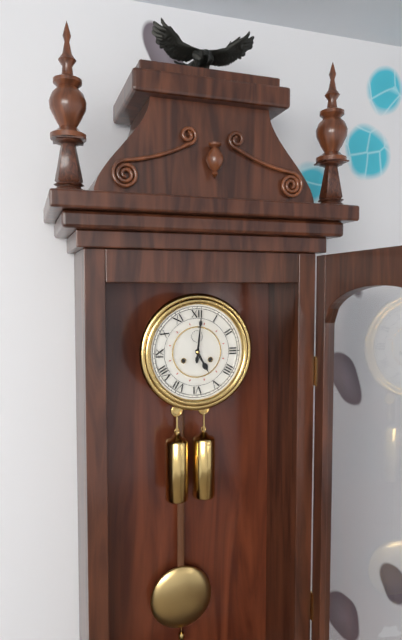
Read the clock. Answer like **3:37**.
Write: **5:01**
